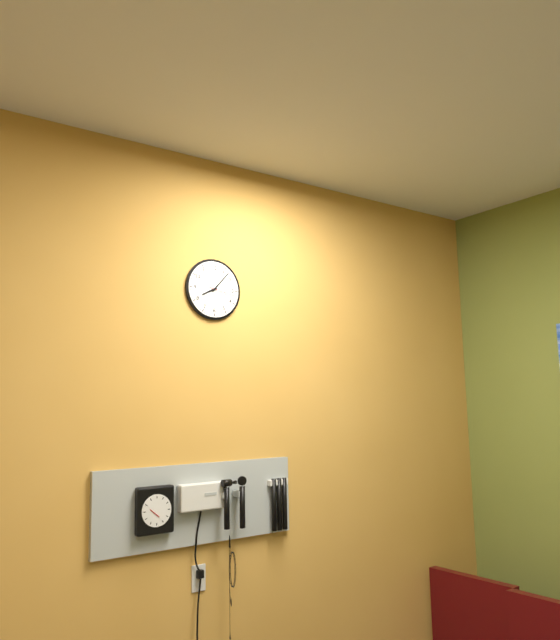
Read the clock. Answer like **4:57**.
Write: **8:07**
